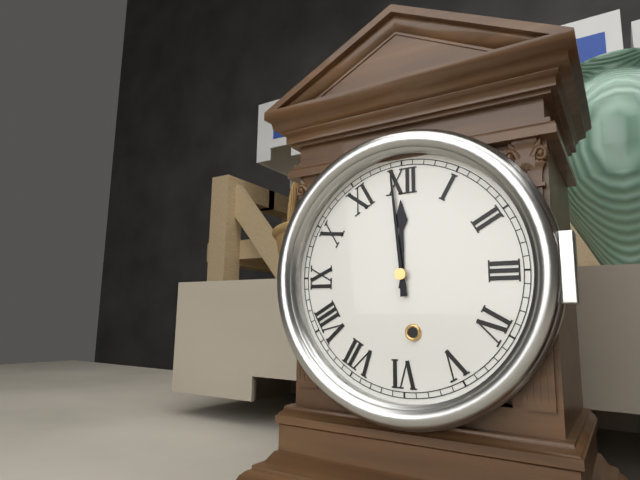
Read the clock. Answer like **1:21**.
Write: **11:59**
